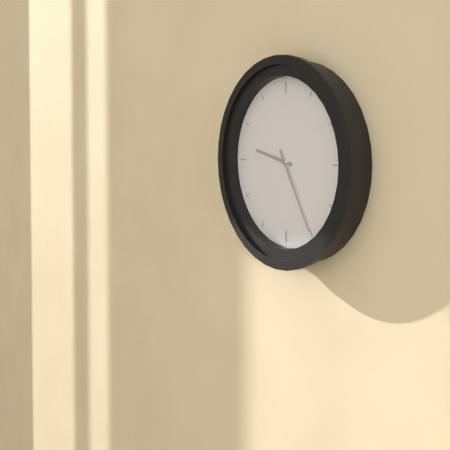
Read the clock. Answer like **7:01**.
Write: **9:25**
